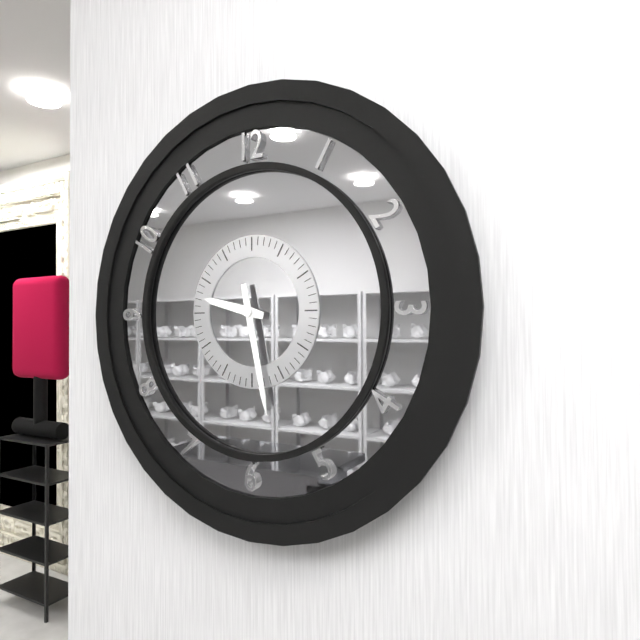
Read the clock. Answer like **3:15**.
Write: **9:28**
